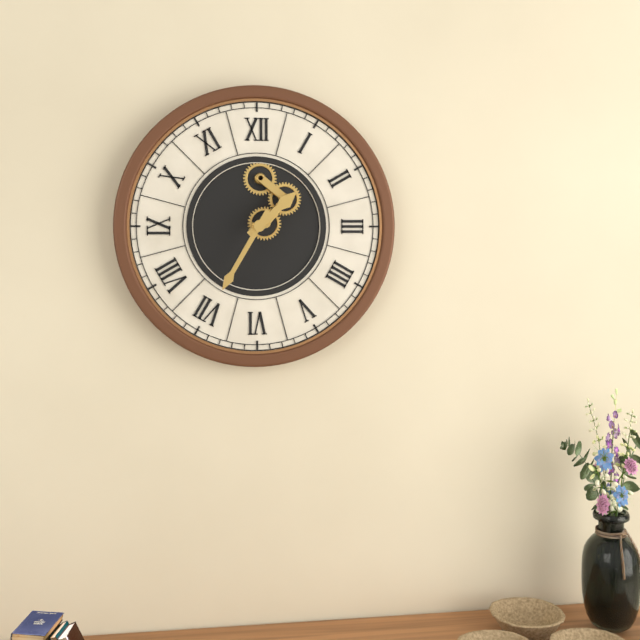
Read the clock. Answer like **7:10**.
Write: **1:35**
